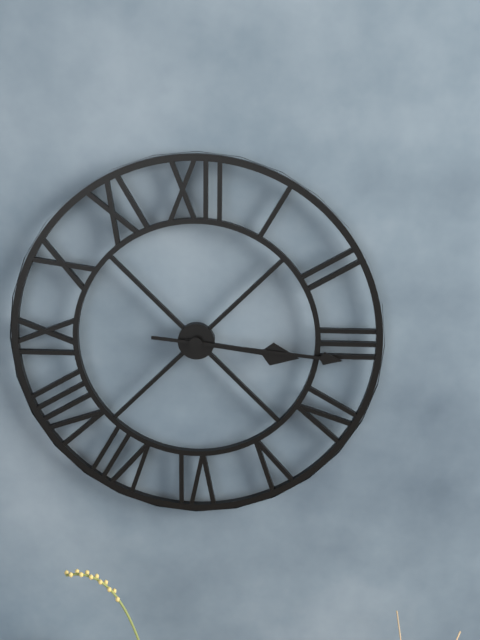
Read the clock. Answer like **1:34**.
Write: **3:16**
